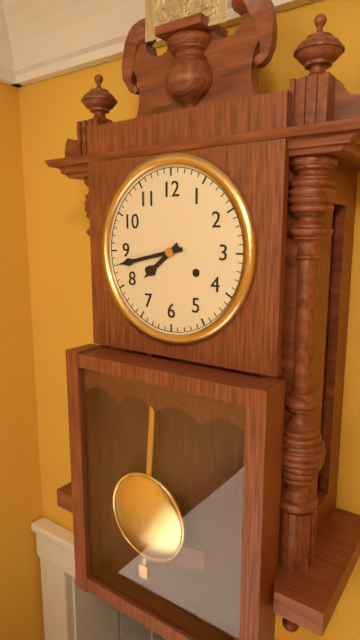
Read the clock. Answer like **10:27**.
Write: **7:43**
